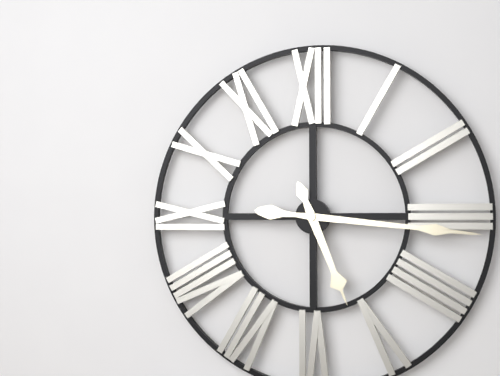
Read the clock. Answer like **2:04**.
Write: **5:16**
